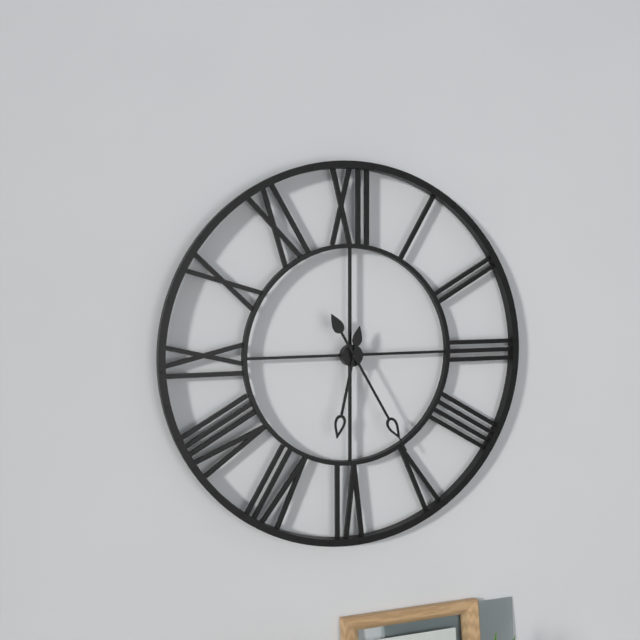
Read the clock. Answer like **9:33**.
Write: **6:25**
